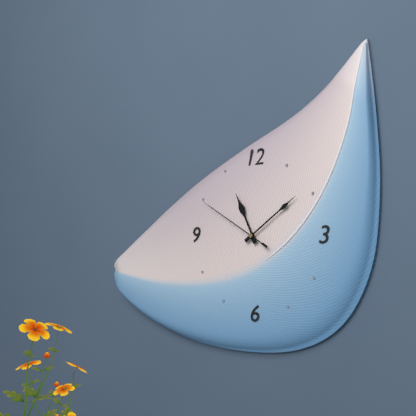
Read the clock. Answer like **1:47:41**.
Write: **11:09:50**
